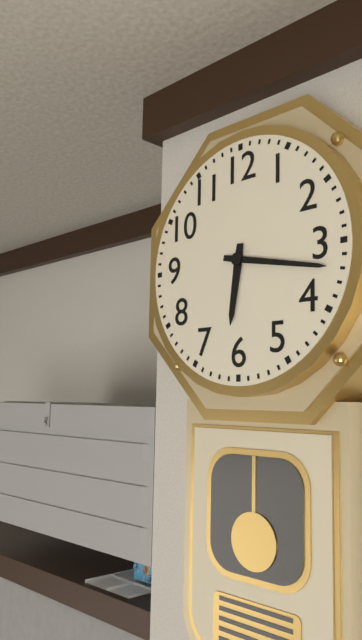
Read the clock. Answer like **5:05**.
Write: **6:17**
